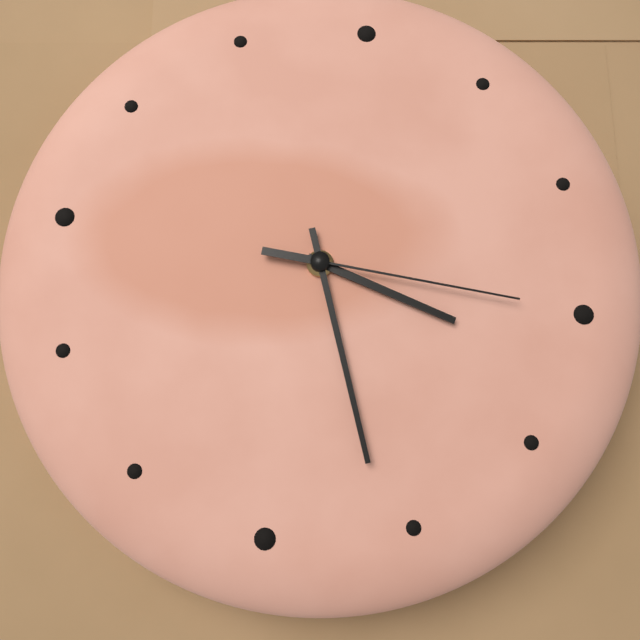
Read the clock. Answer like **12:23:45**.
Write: **3:26:15**
